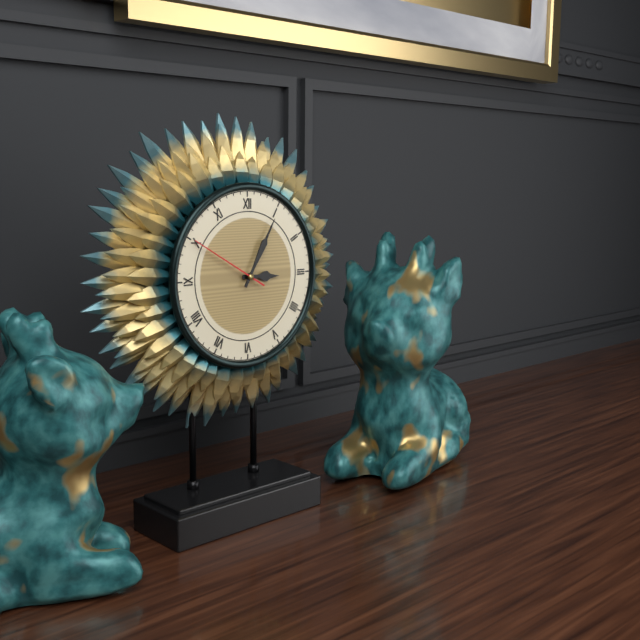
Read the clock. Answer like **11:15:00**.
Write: **3:05:50**
